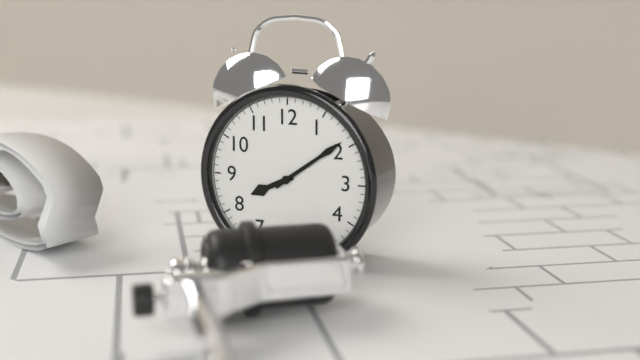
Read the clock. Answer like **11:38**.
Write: **8:09**
